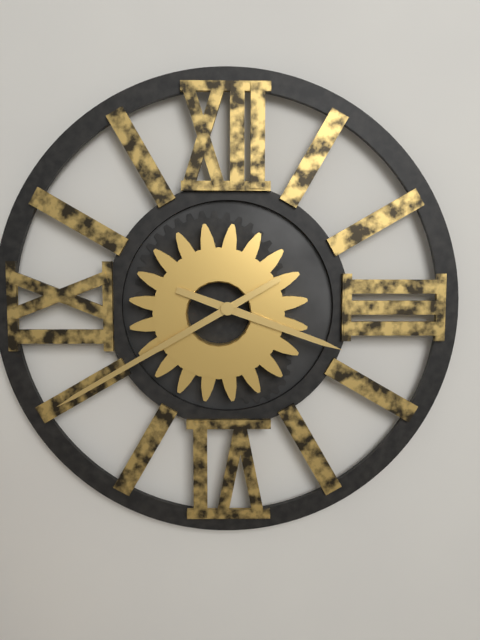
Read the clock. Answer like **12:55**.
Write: **3:40**
